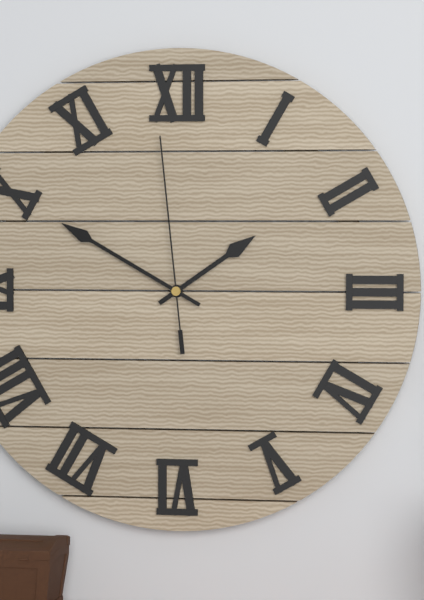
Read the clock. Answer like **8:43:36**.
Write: **1:50:59**
